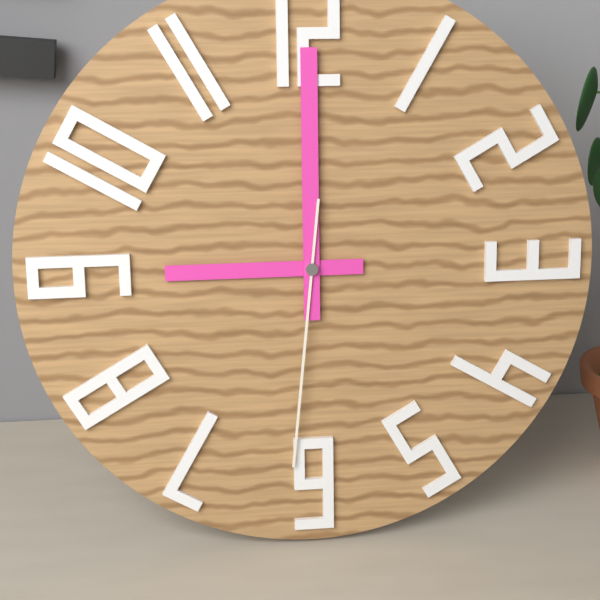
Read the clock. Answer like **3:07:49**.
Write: **9:00:31**
